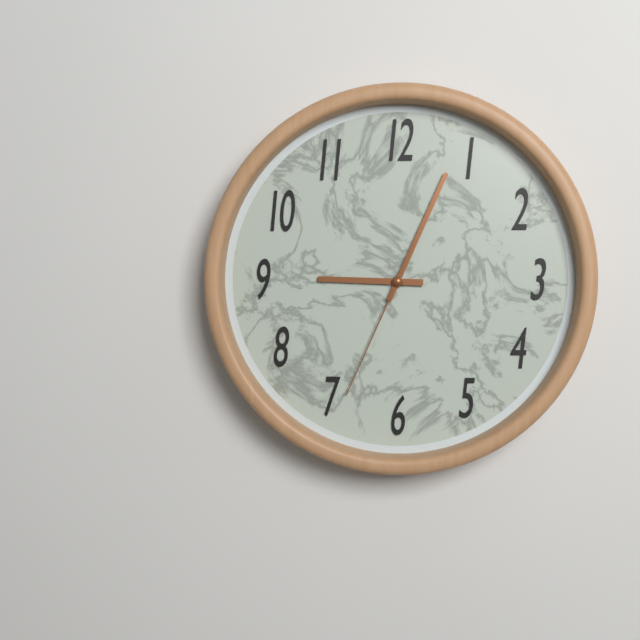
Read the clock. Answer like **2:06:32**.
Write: **9:04:34**
